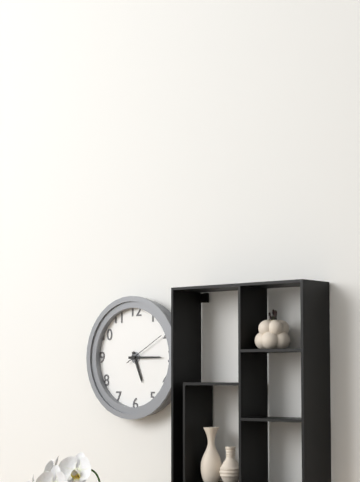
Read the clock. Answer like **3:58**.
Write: **5:15**
